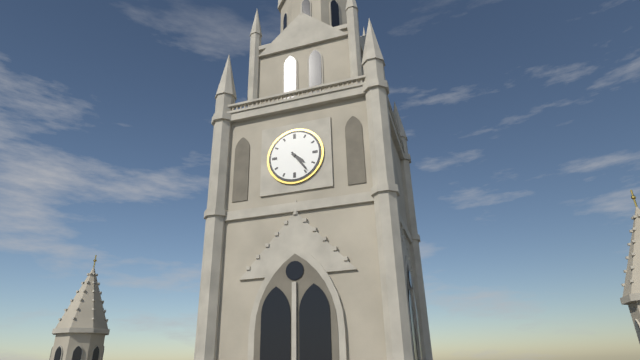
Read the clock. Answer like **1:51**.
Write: **4:24**
